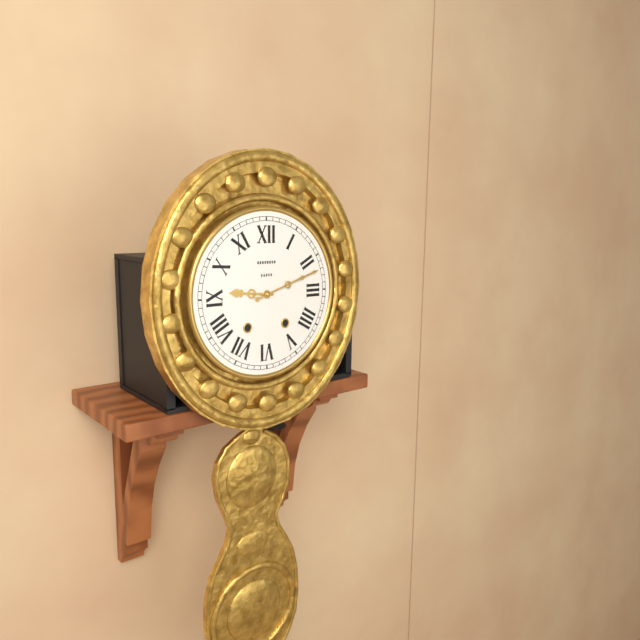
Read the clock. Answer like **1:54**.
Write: **9:12**
